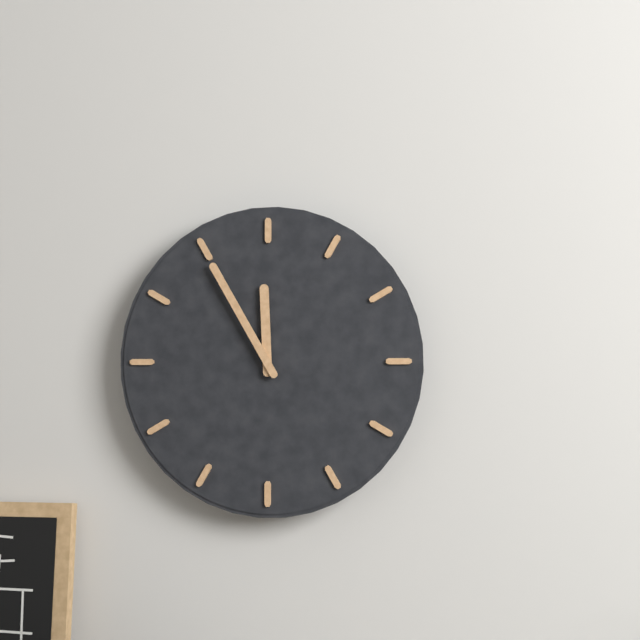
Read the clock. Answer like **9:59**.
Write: **11:55**
